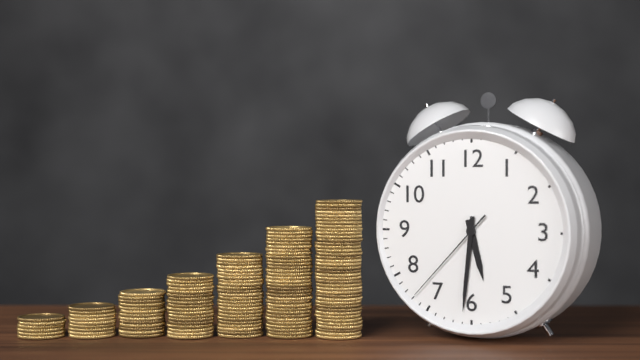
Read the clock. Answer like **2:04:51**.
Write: **5:31:37**
